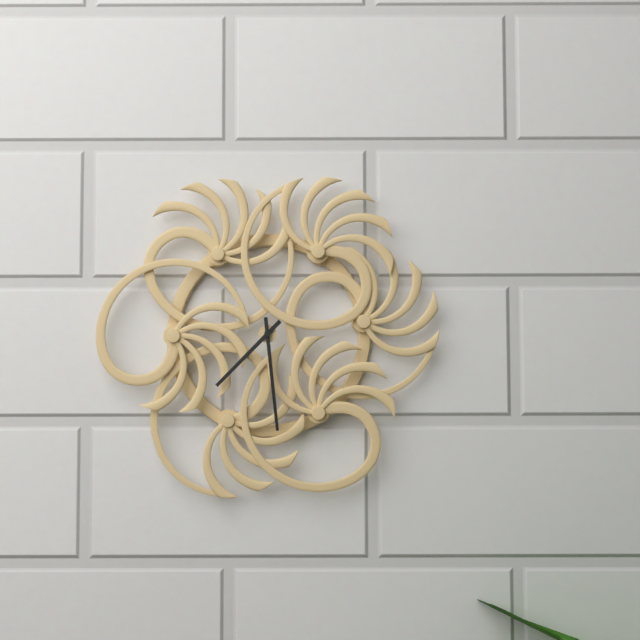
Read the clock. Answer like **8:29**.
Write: **7:29**
